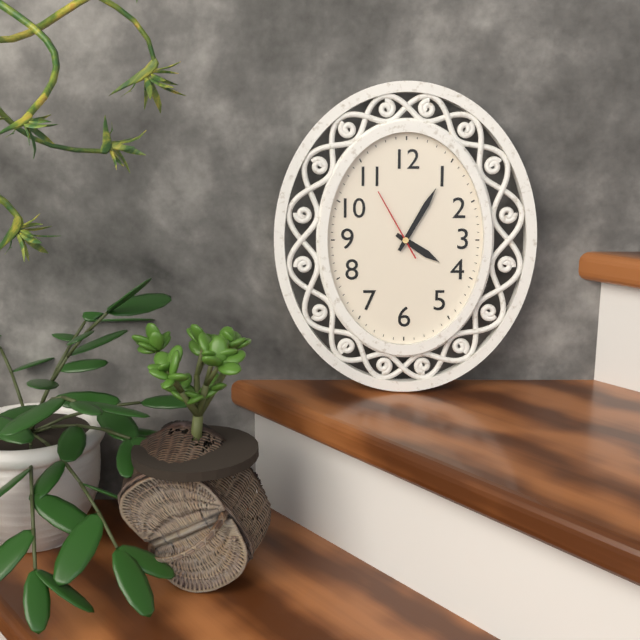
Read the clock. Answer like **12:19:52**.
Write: **4:05:55**
